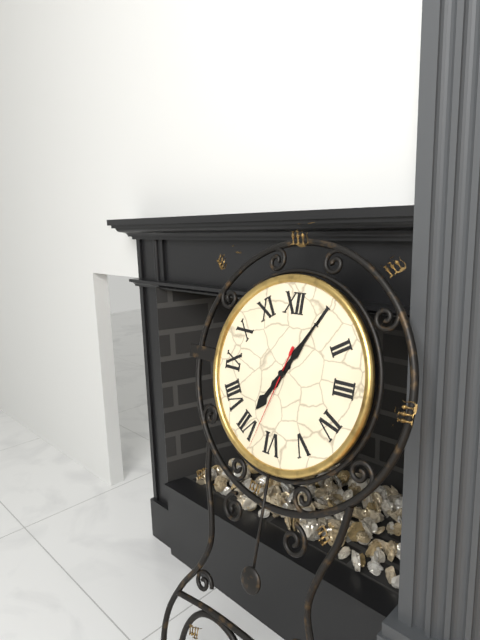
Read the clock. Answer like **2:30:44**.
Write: **7:05:33**
